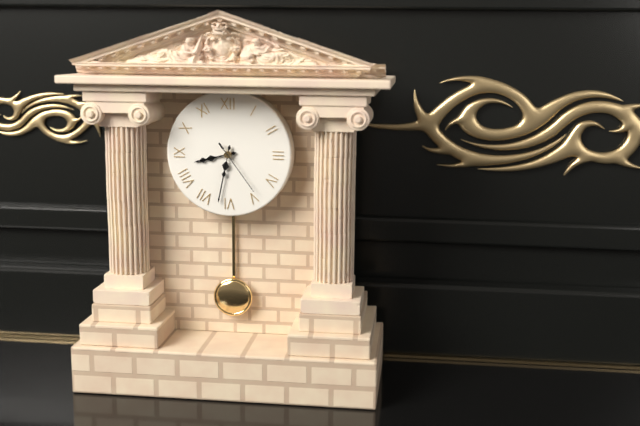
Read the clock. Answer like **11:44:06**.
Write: **8:32:24**
